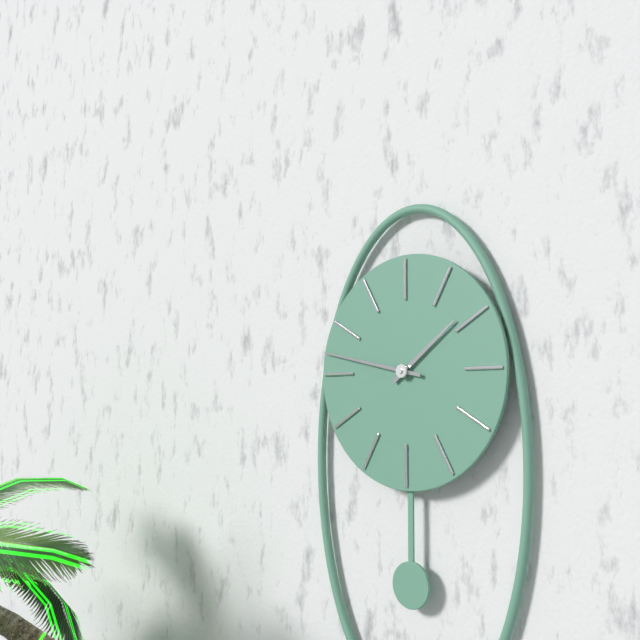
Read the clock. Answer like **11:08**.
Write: **1:47**
